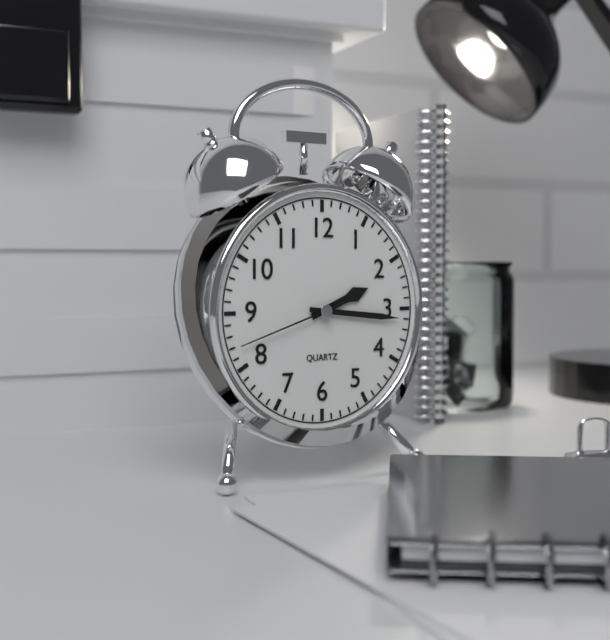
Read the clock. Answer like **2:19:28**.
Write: **2:16:42**
